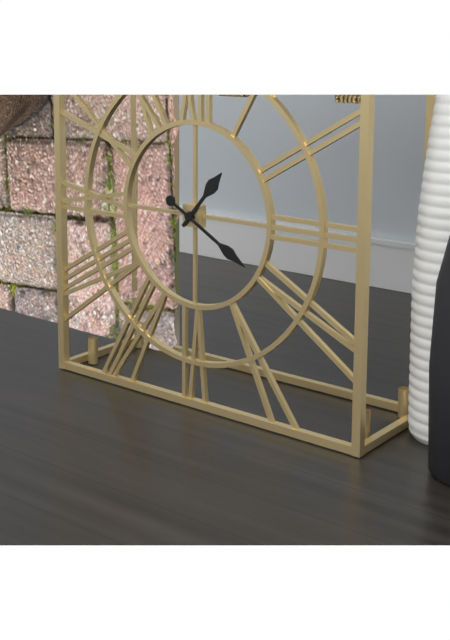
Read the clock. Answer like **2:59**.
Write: **1:20**
